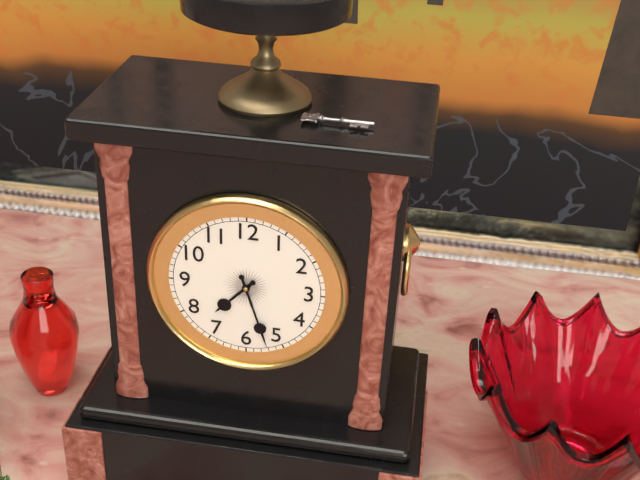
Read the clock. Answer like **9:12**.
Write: **7:27**
